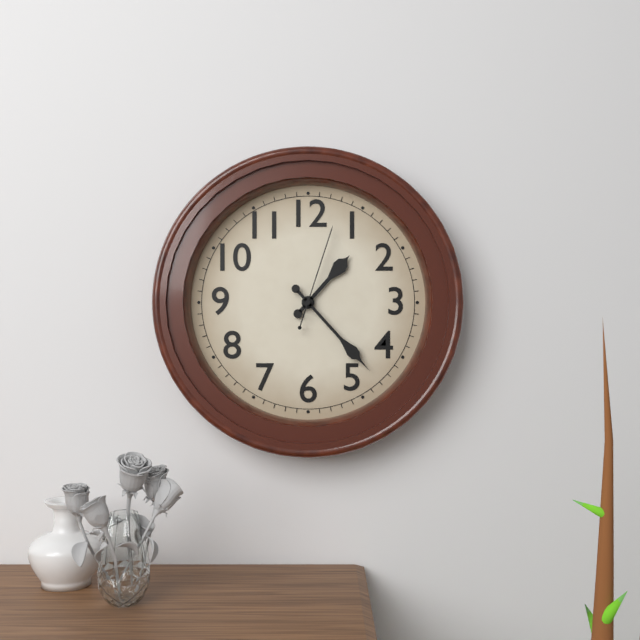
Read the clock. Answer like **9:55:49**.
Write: **1:23:03**
